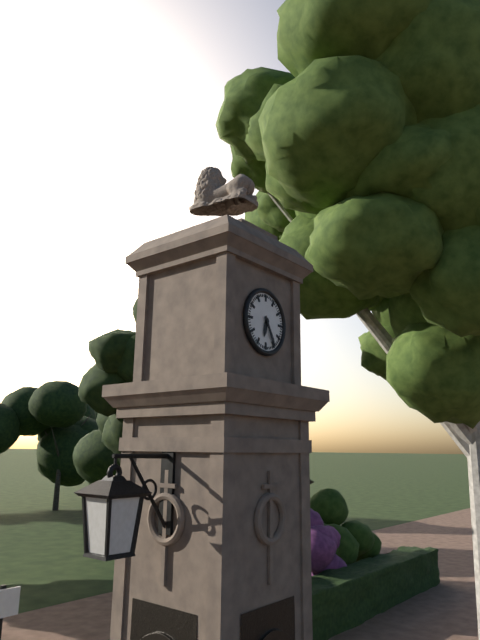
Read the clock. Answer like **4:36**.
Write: **6:25**
